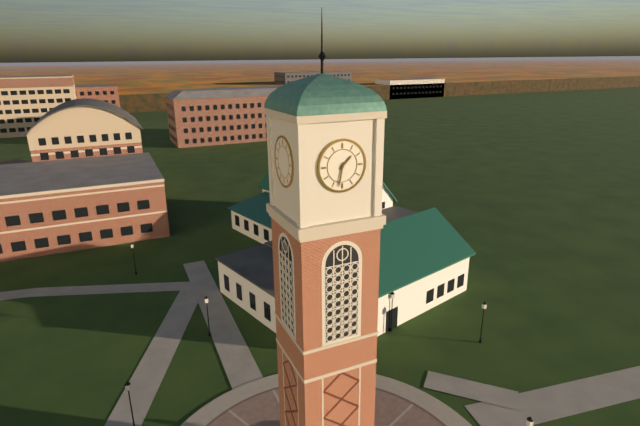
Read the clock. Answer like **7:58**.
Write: **1:32**
